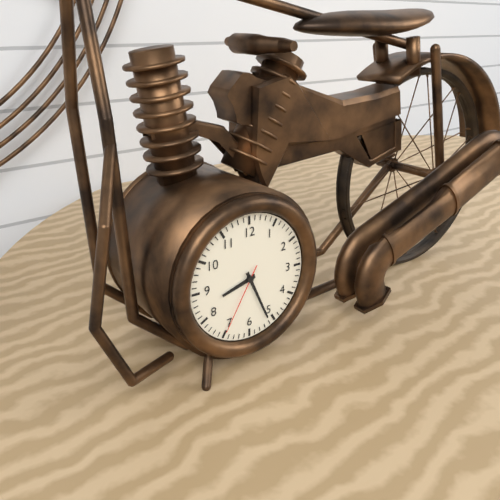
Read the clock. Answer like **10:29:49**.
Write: **8:26:35**
